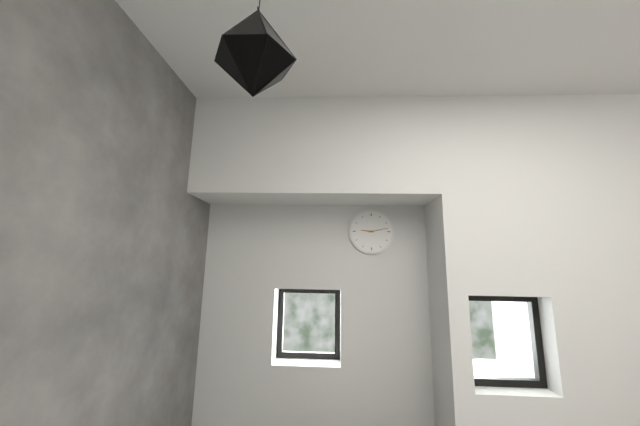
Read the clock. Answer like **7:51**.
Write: **9:13**
